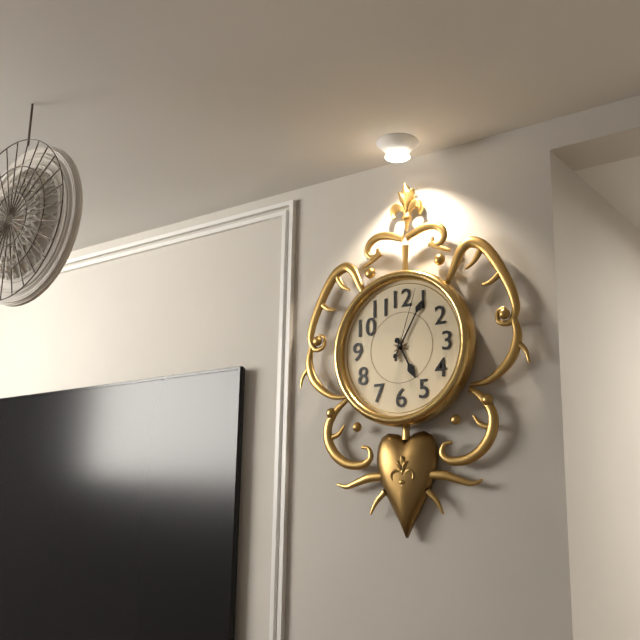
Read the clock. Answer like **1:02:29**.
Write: **5:05:03**
